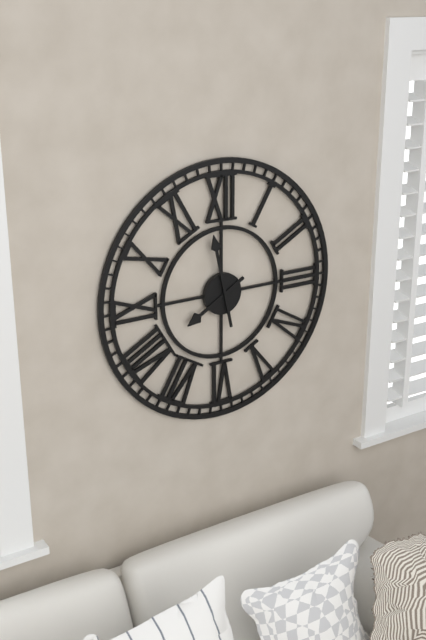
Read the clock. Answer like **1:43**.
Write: **7:58**
